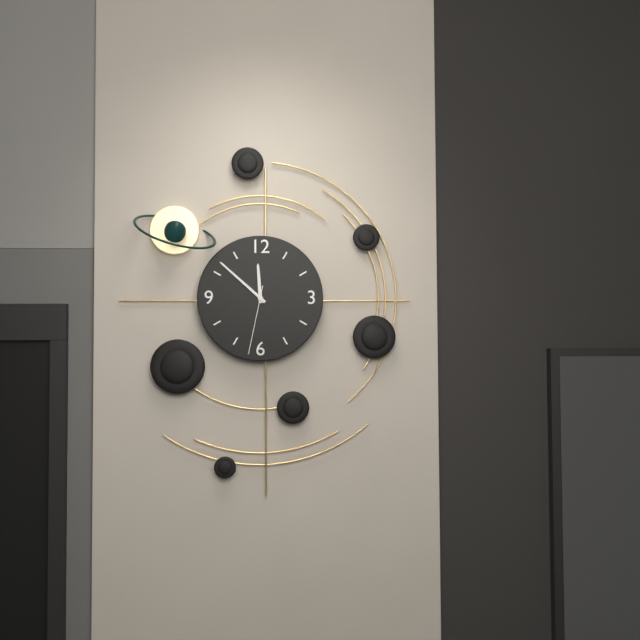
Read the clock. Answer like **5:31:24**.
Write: **11:52:32**
